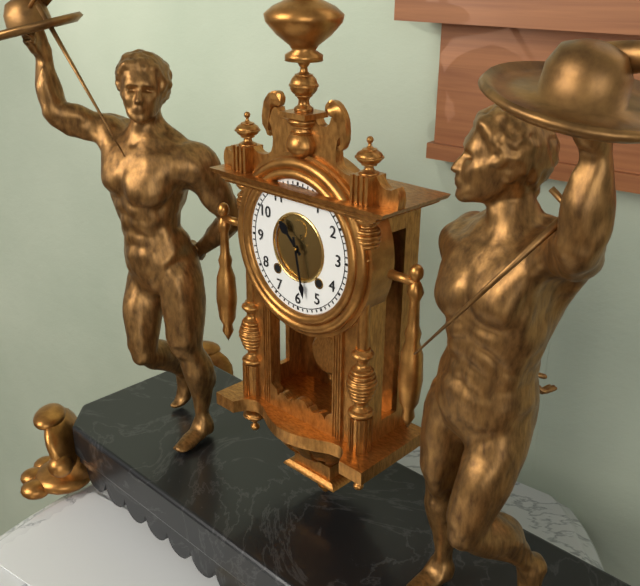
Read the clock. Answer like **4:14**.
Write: **10:28**
